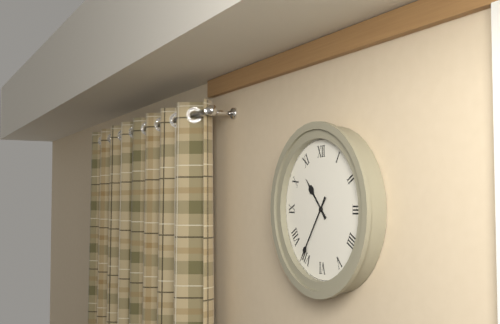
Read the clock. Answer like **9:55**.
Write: **10:36**
